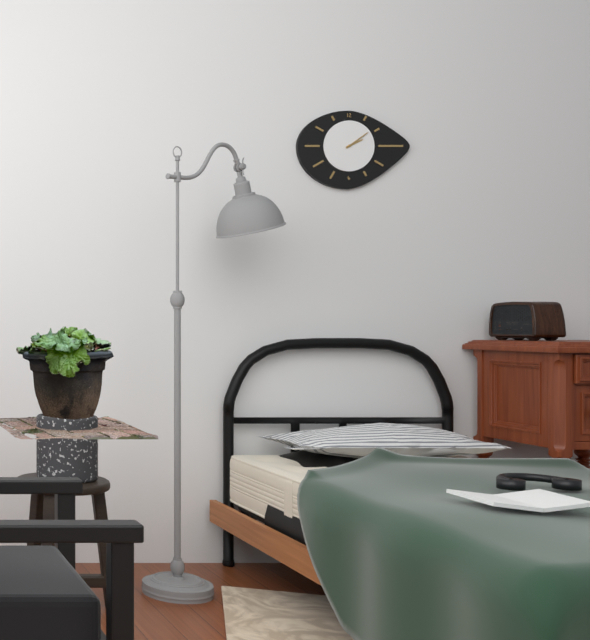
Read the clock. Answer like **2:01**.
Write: **2:09**
